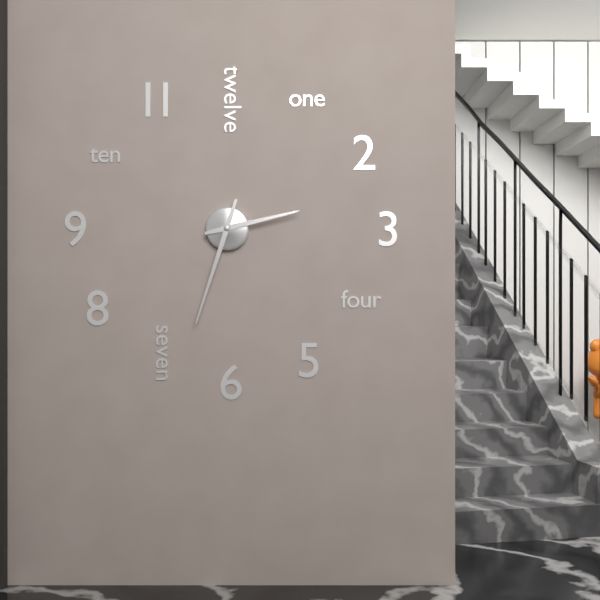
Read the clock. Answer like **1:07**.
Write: **2:33**
